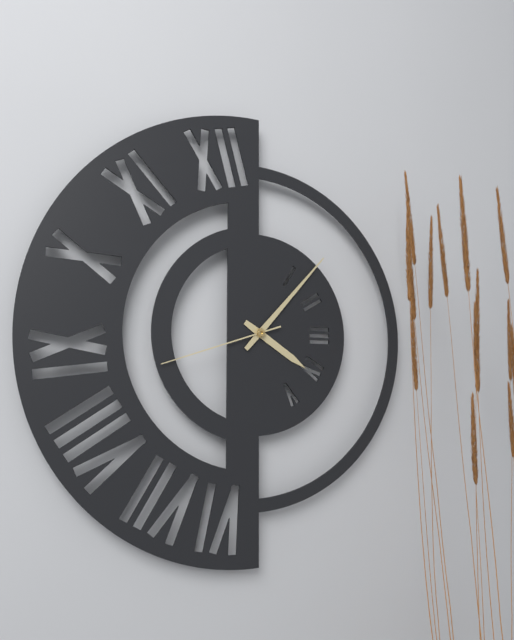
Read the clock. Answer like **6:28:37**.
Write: **4:07:42**
